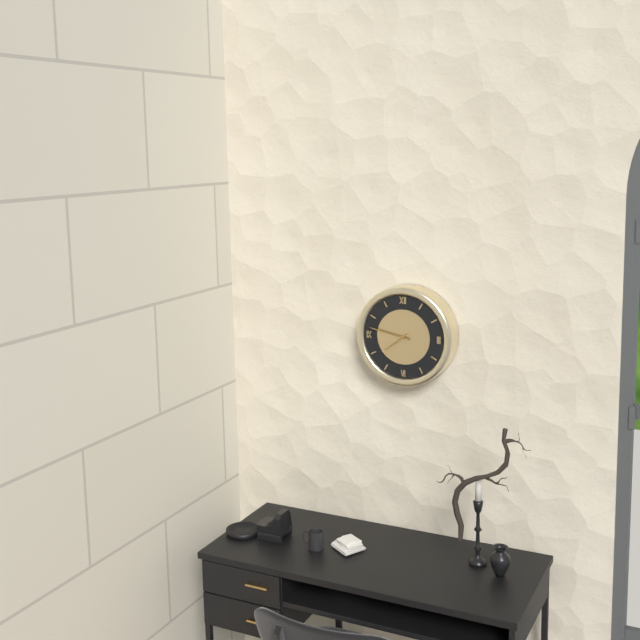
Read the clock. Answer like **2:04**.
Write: **7:47**
